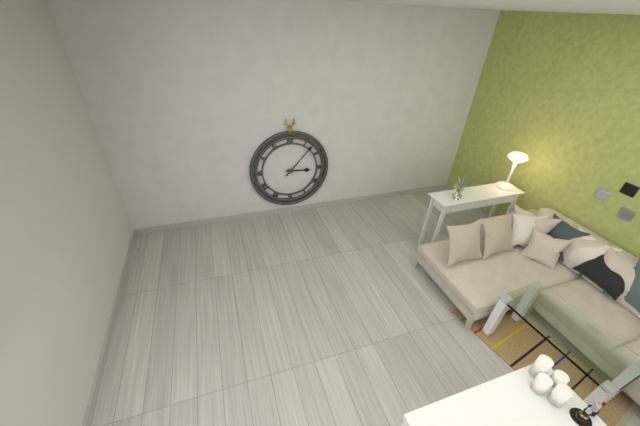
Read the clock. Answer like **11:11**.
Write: **3:07**
